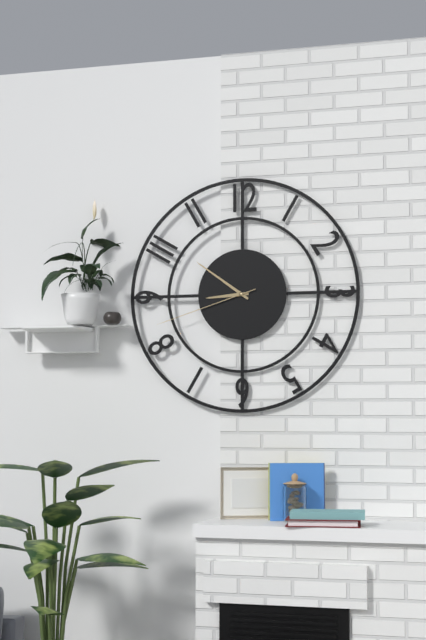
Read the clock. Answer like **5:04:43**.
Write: **8:51:42**
